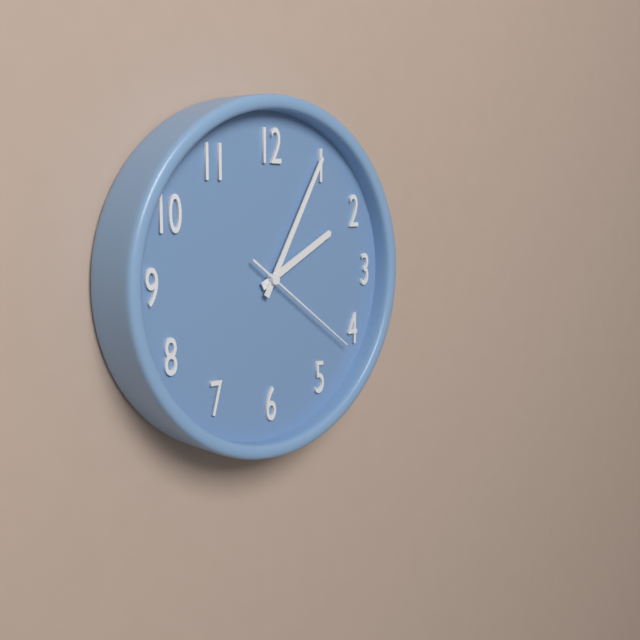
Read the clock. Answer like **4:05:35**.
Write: **2:05:21**
